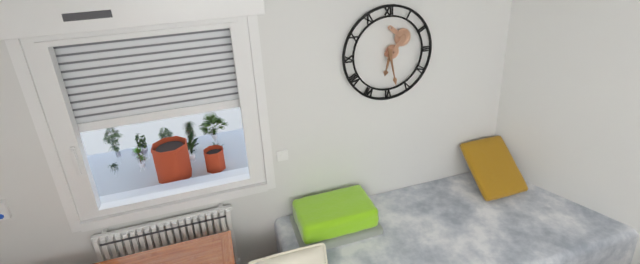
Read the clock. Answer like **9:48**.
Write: **6:28**
